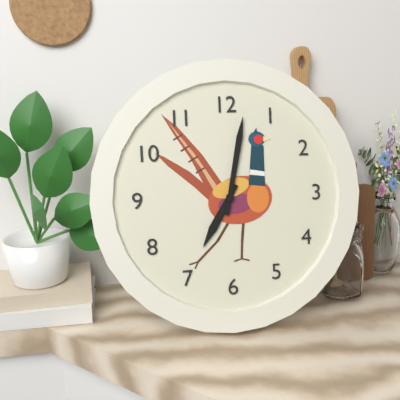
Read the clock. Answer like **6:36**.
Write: **7:02**
